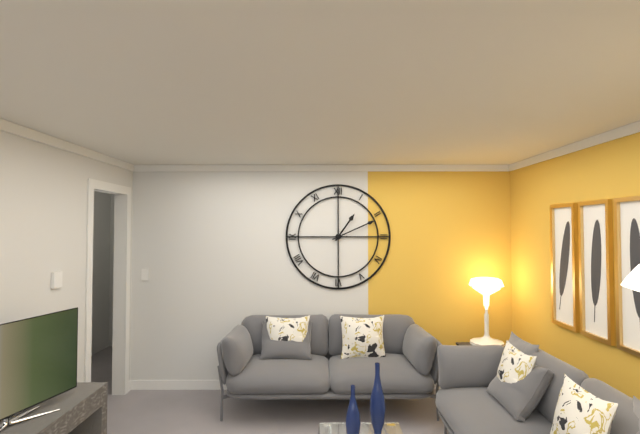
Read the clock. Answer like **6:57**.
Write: **1:11**
